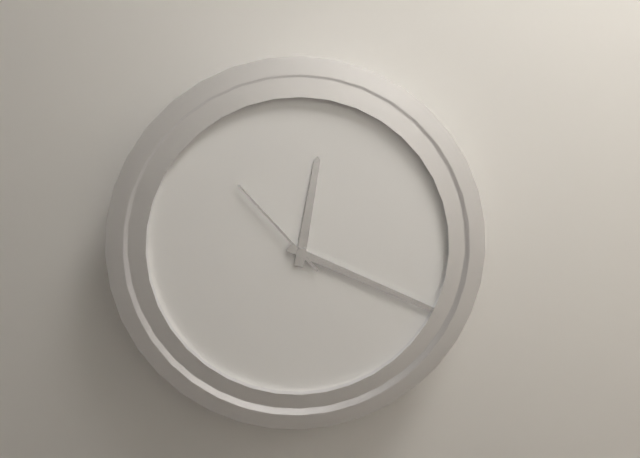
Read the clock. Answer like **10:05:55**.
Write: **12:19:53**
